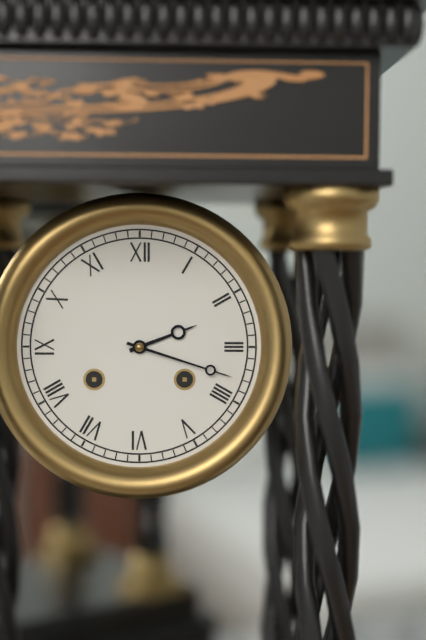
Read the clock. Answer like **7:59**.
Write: **2:18**
